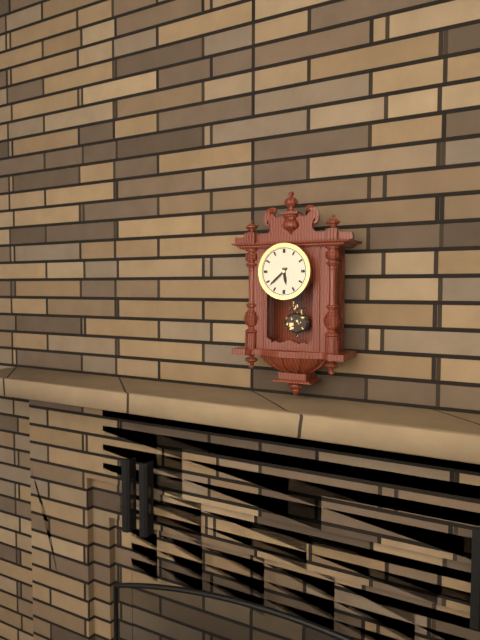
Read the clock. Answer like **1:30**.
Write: **5:38**
